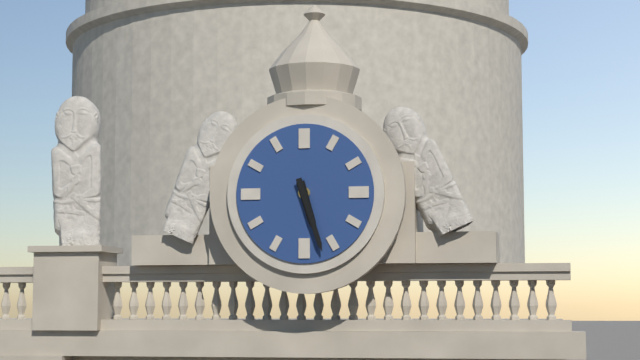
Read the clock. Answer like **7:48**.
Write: **5:27**
